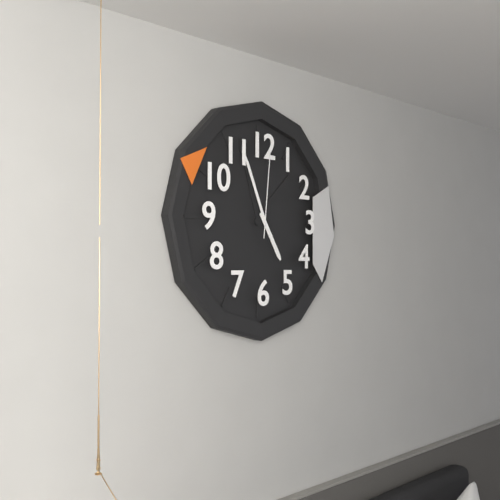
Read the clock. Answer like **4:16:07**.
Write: **4:56:01**
